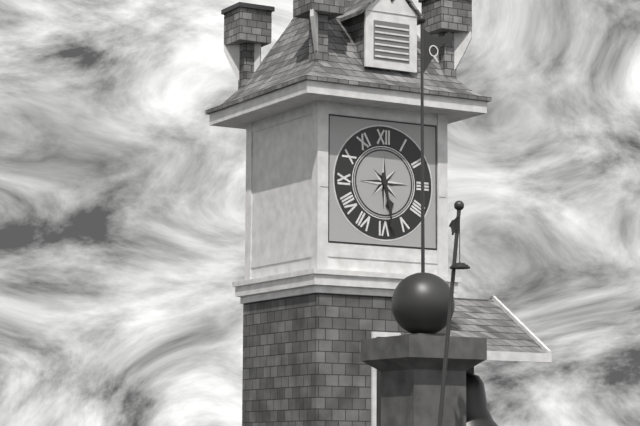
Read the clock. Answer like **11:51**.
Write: **5:28**
